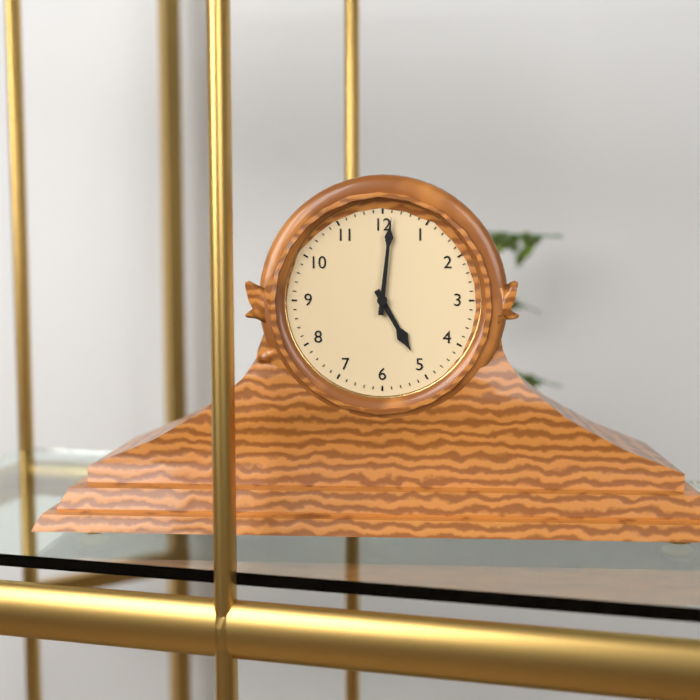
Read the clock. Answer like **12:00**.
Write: **5:01**
